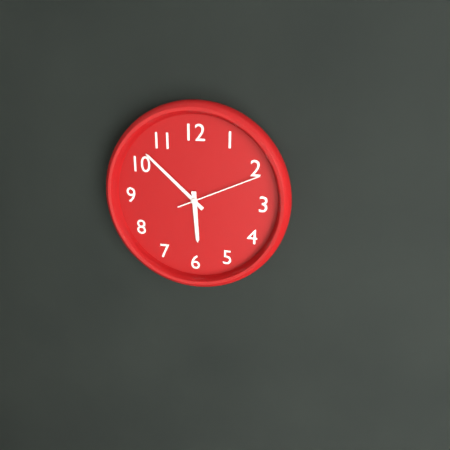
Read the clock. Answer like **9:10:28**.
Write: **5:52:11**
